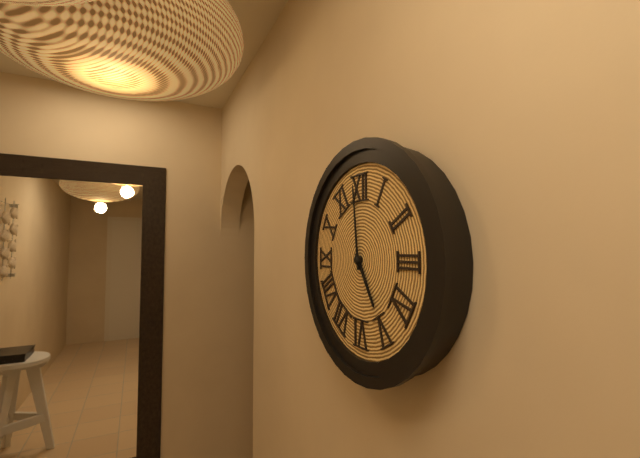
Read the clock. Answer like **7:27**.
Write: **4:59**
